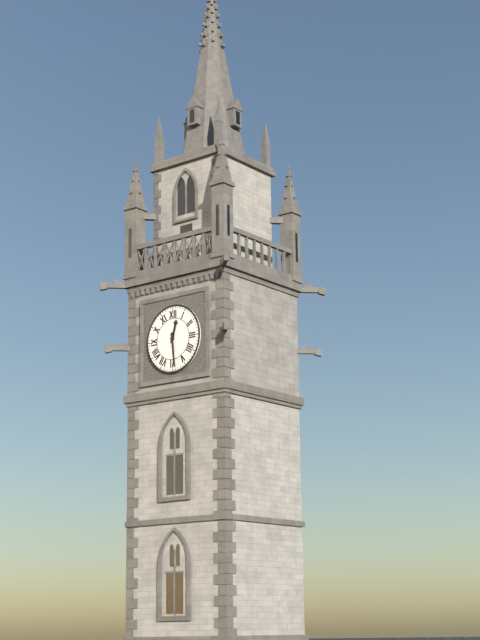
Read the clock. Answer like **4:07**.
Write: **12:29**
